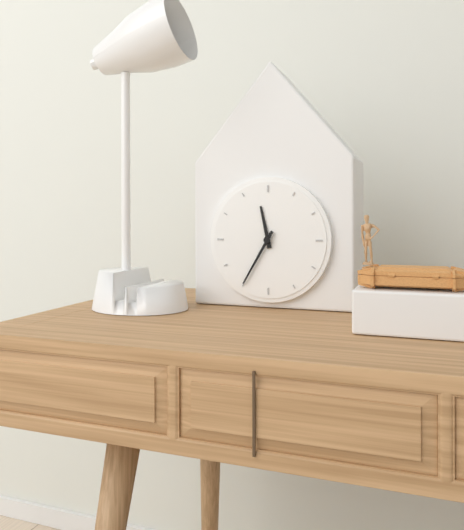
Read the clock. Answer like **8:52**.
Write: **11:35**
